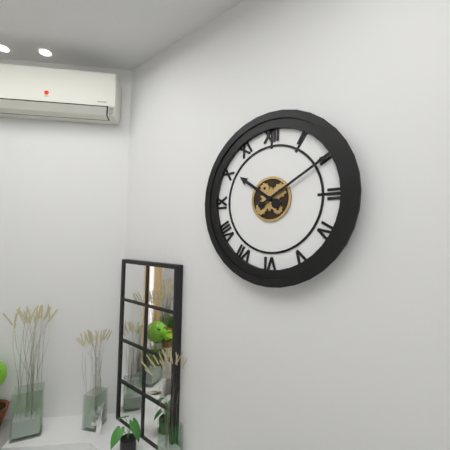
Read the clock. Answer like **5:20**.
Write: **10:10**
